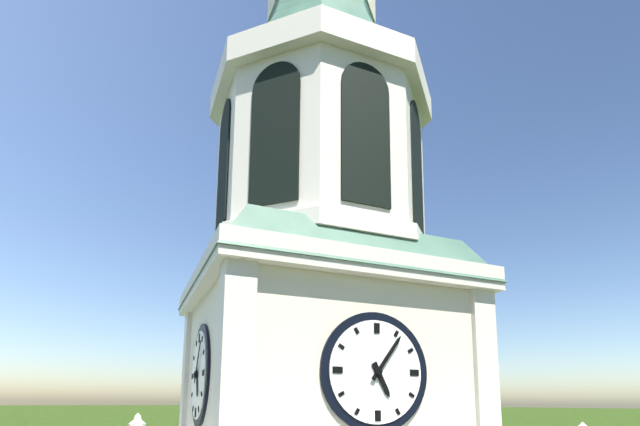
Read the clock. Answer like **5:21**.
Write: **5:06**
